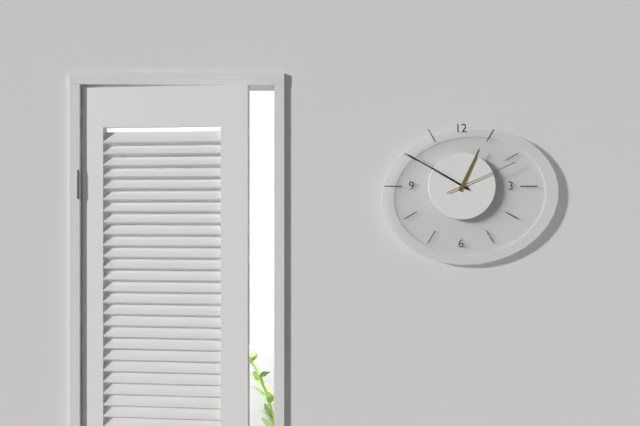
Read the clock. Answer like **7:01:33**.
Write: **12:50:11**
